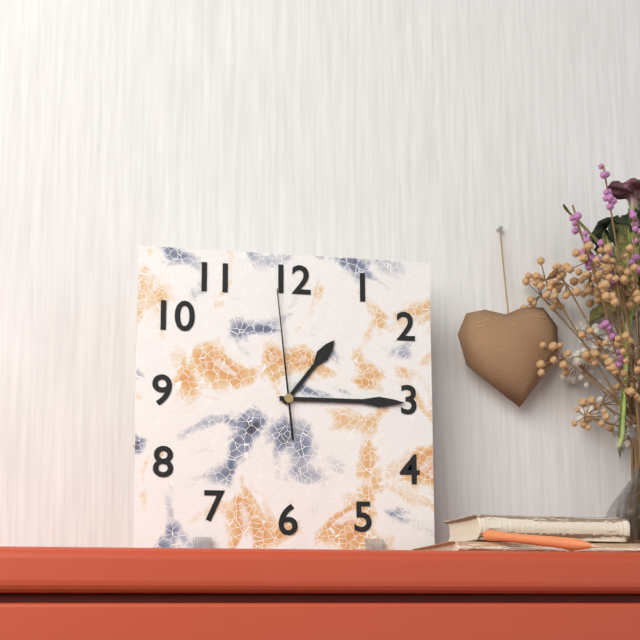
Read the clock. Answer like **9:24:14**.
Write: **1:15:59**
